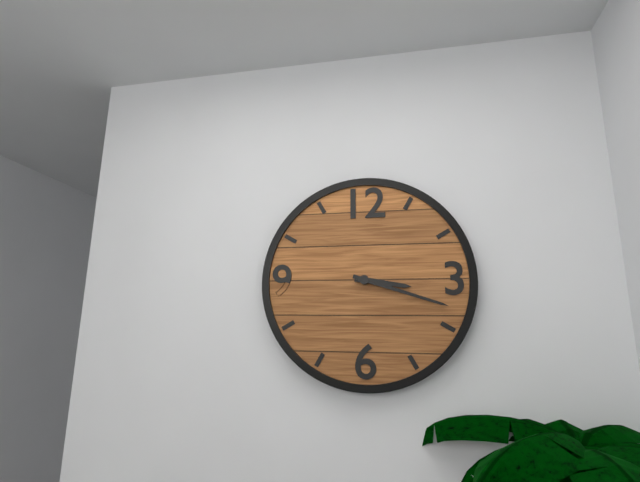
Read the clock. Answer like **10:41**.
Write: **3:18**
